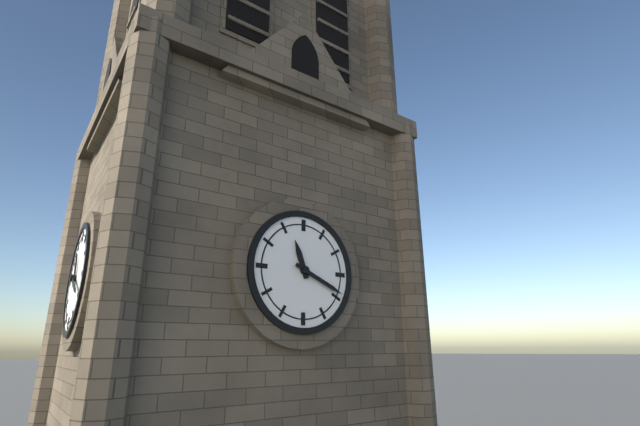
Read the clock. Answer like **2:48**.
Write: **11:19**
